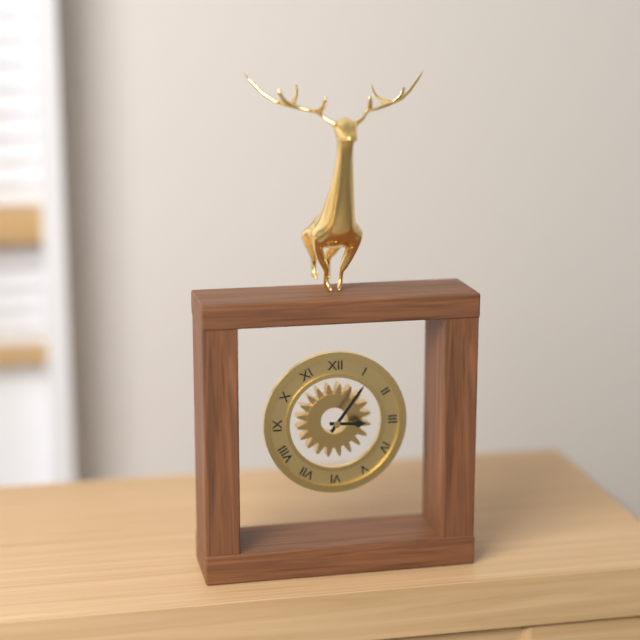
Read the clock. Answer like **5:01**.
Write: **3:06**
